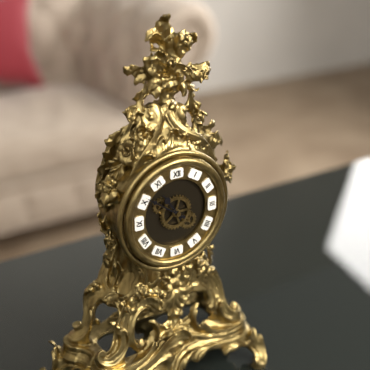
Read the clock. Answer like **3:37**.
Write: **10:51**
